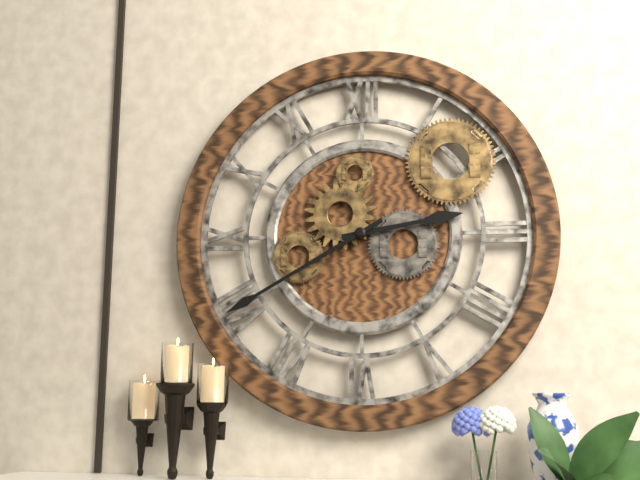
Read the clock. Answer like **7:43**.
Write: **2:40**
